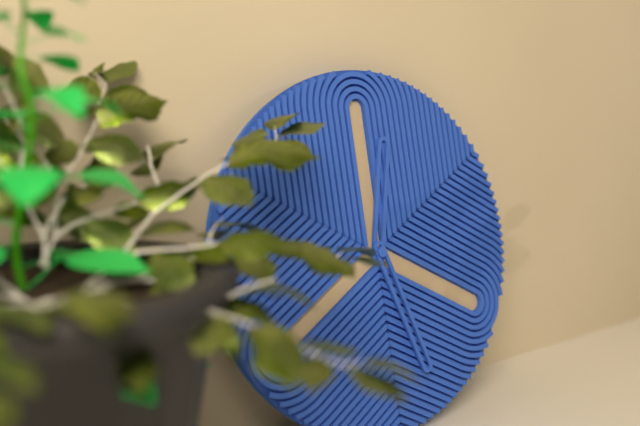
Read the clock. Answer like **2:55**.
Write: **12:27**
